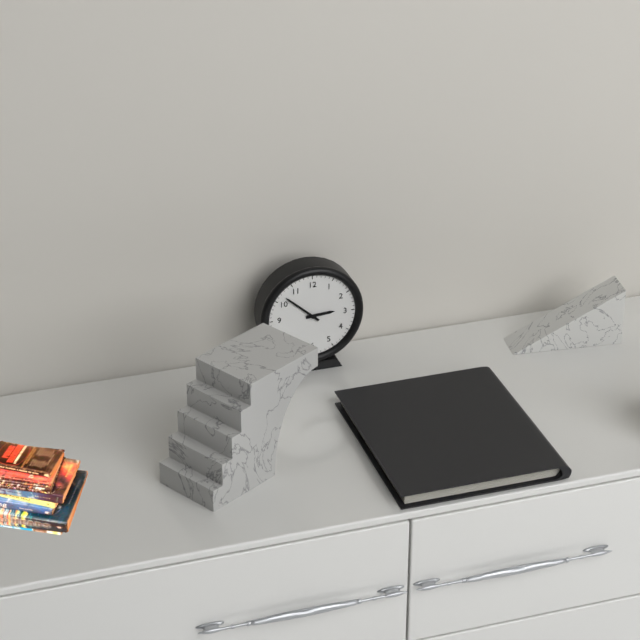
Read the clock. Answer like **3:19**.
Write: **2:52**
